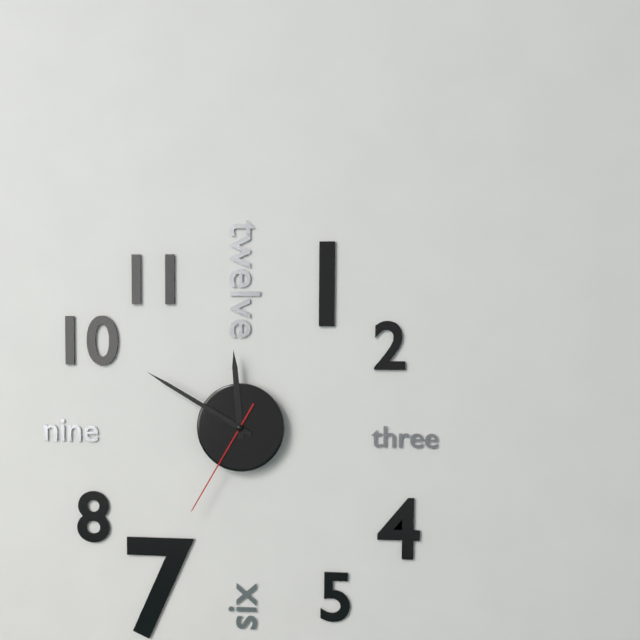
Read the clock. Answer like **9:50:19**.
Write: **11:50:35**
